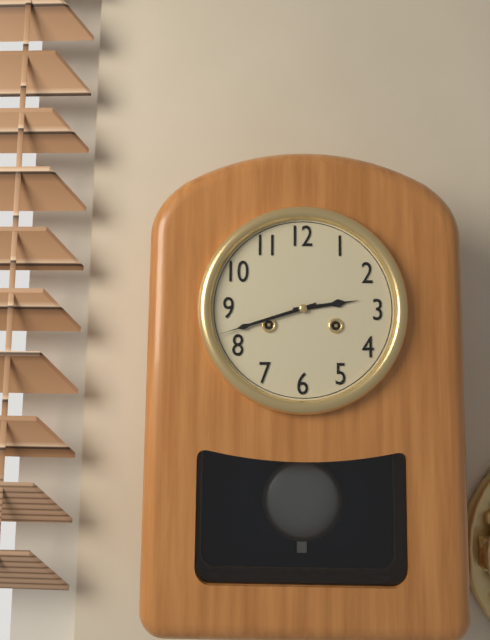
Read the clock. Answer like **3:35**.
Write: **2:42**
